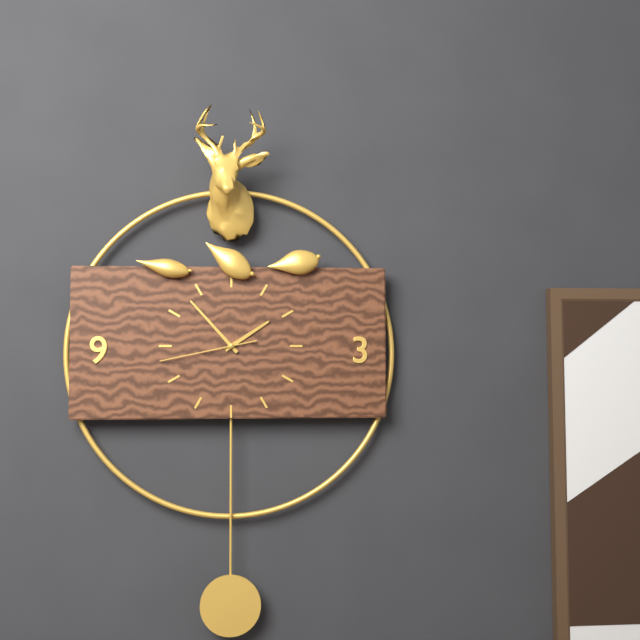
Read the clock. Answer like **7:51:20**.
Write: **1:53:43**
